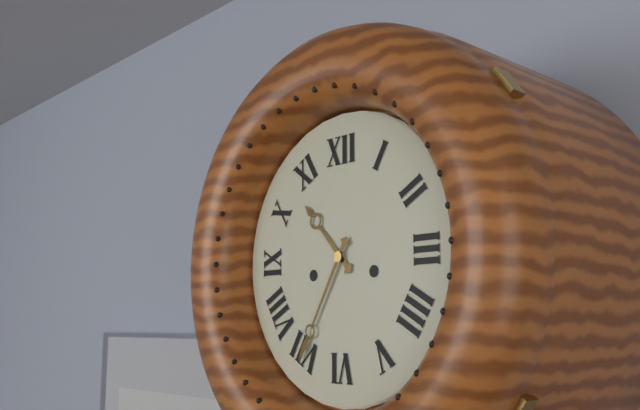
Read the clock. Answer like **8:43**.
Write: **10:35**
